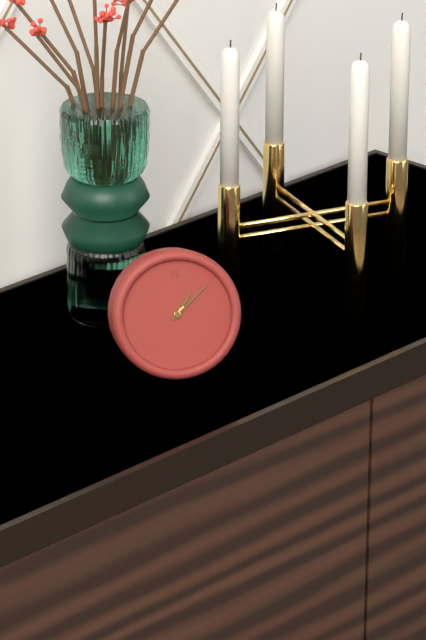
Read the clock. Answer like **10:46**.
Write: **1:08**
